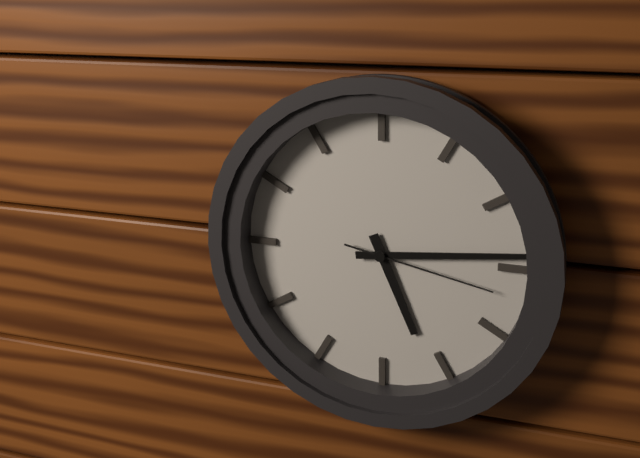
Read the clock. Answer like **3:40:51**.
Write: **5:14:17**
